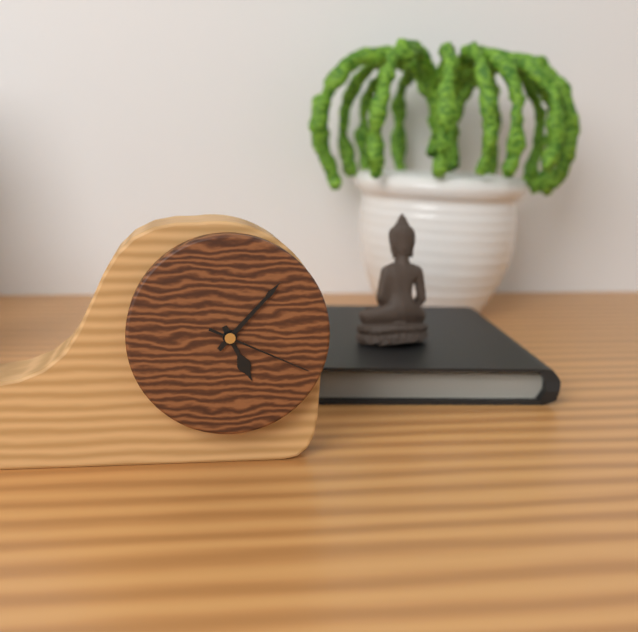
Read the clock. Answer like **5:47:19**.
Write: **5:07:19**
